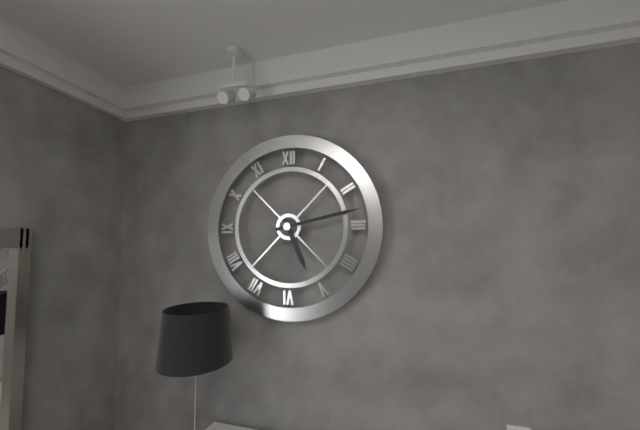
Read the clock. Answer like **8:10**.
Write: **5:13**
